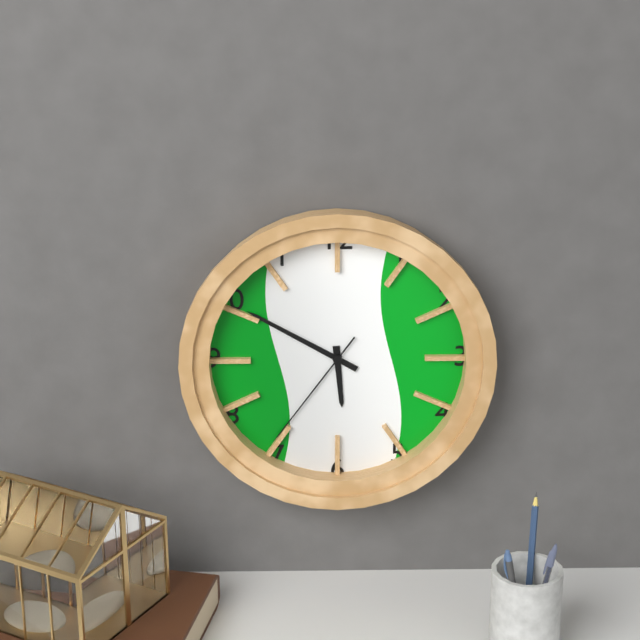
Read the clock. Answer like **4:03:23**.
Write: **5:50:36**
